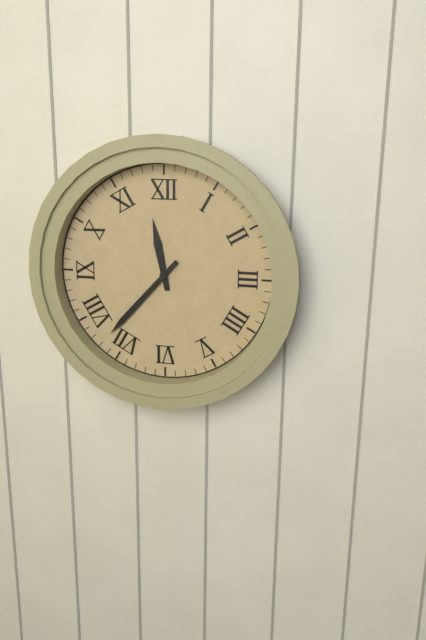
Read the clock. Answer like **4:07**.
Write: **11:37**
